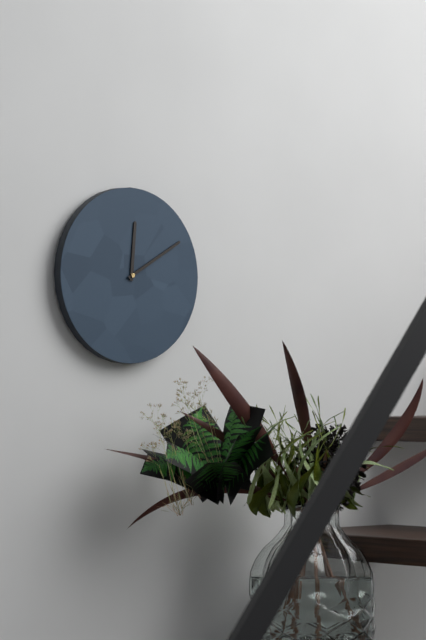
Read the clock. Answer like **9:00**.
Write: **12:10**
